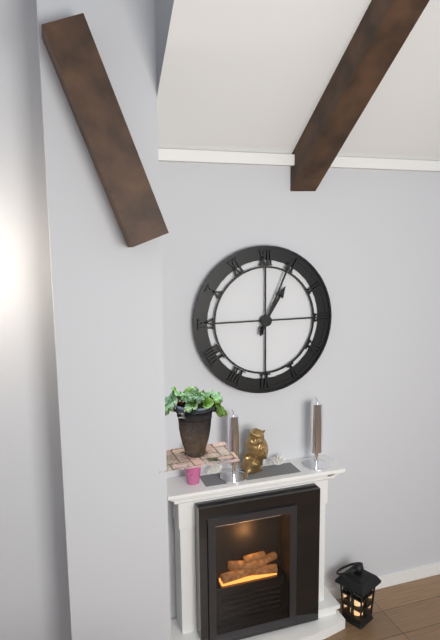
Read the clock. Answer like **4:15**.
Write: **1:04**
